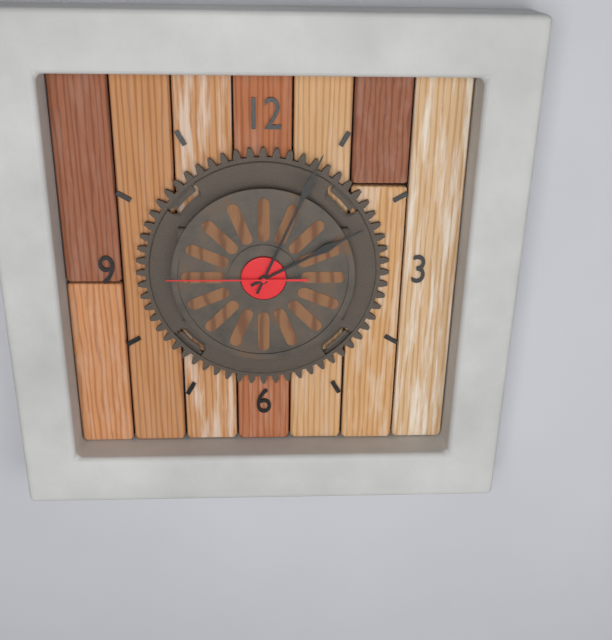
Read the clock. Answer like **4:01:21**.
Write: **2:04:45**
